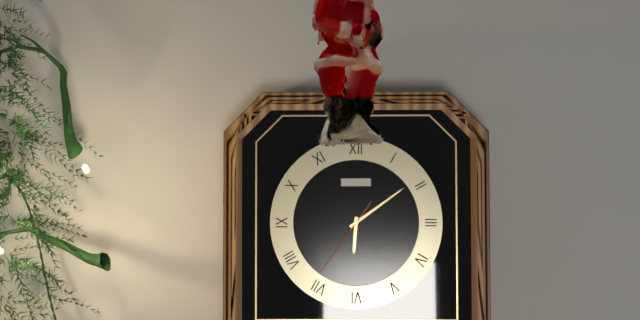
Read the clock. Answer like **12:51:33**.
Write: **6:09:36**
